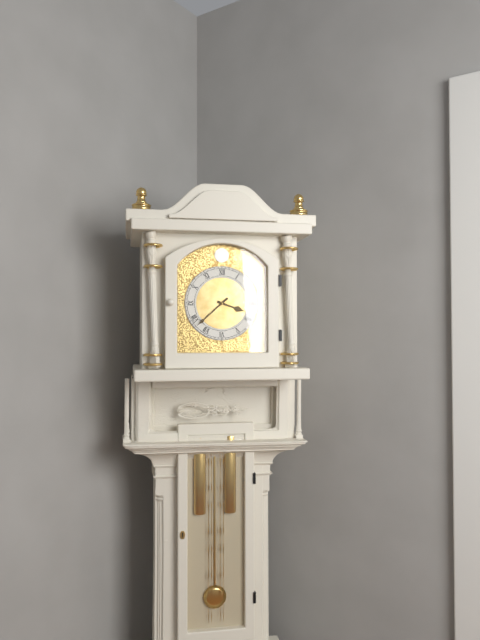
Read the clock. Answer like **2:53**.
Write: **3:38**
